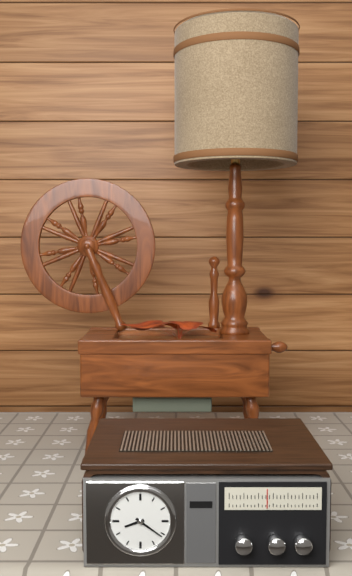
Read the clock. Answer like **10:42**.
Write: **8:21**
